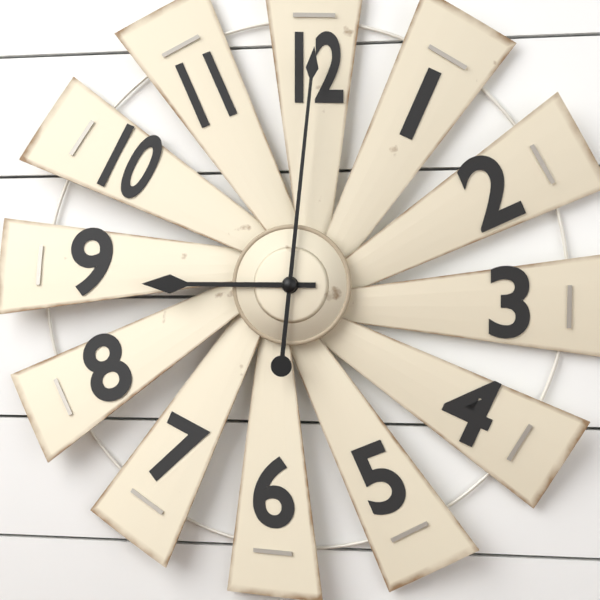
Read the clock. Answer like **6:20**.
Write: **9:01**
